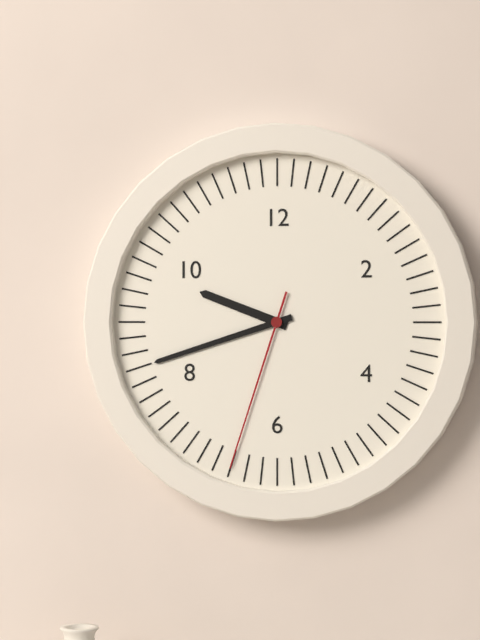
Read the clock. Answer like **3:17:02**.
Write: **9:42:33**
